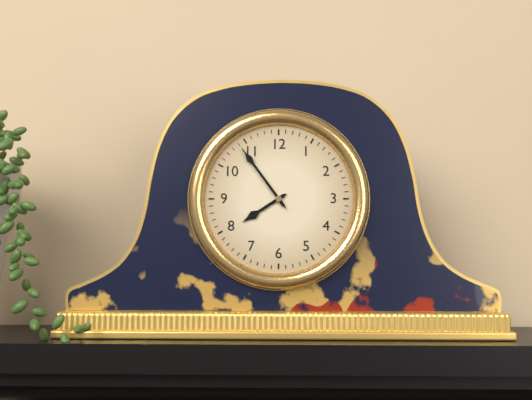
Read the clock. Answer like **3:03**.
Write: **7:54**
